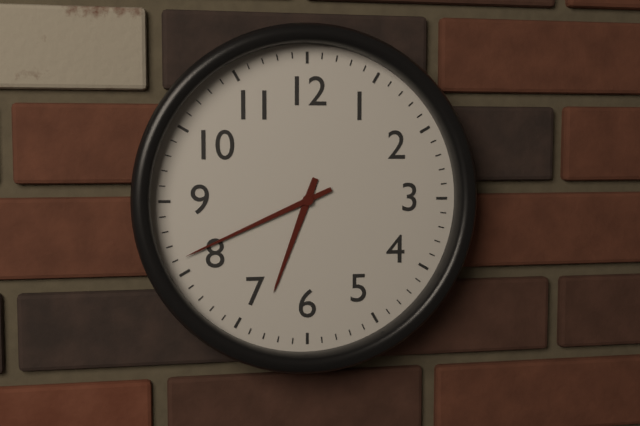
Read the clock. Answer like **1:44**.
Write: **6:41**
